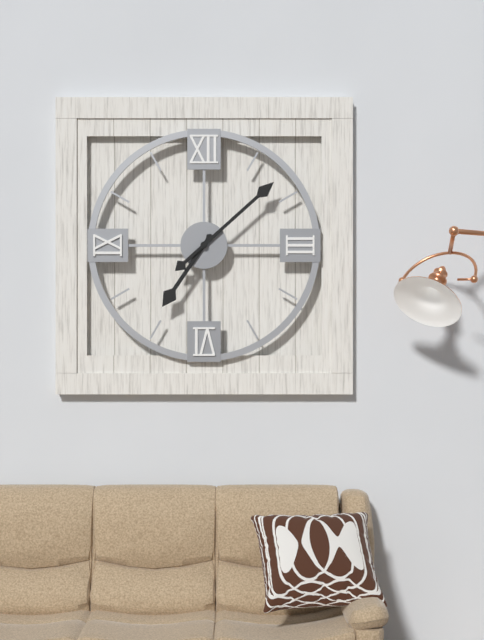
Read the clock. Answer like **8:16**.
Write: **7:08**
